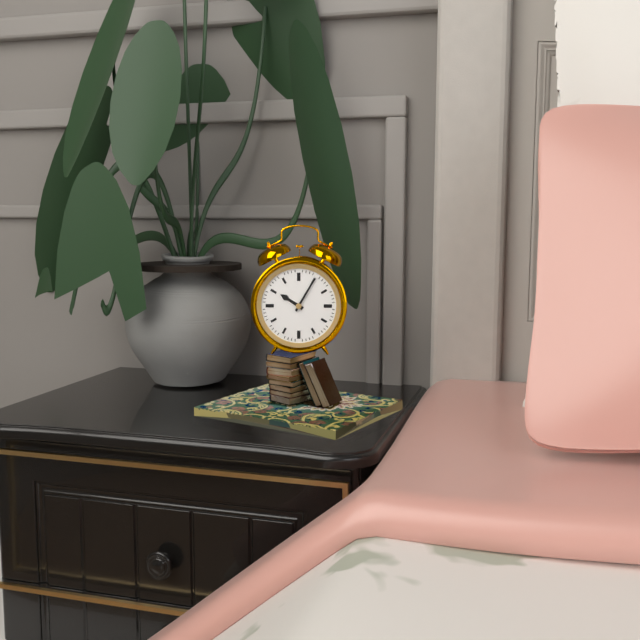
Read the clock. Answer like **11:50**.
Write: **10:05**
